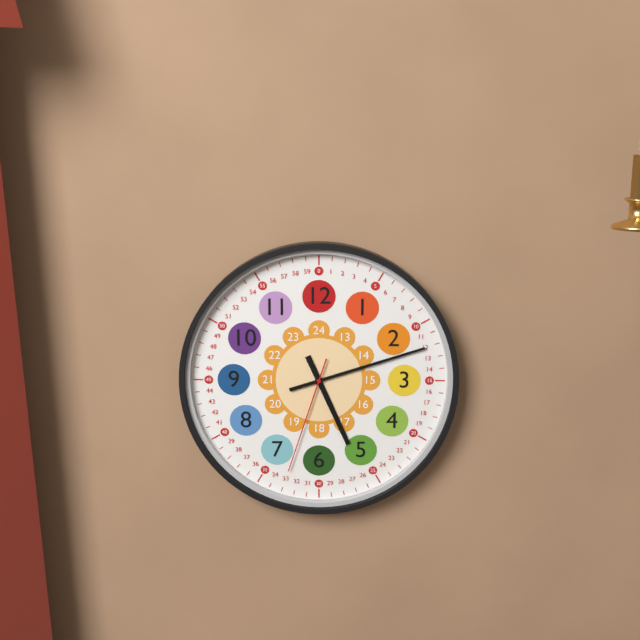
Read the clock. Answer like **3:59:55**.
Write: **5:12:33**
